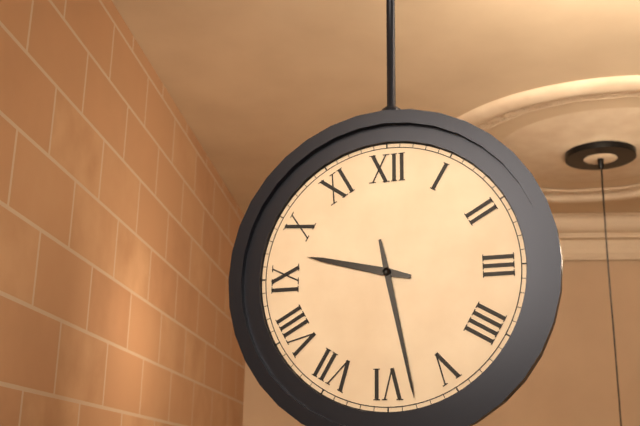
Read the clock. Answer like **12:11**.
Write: **9:28**
